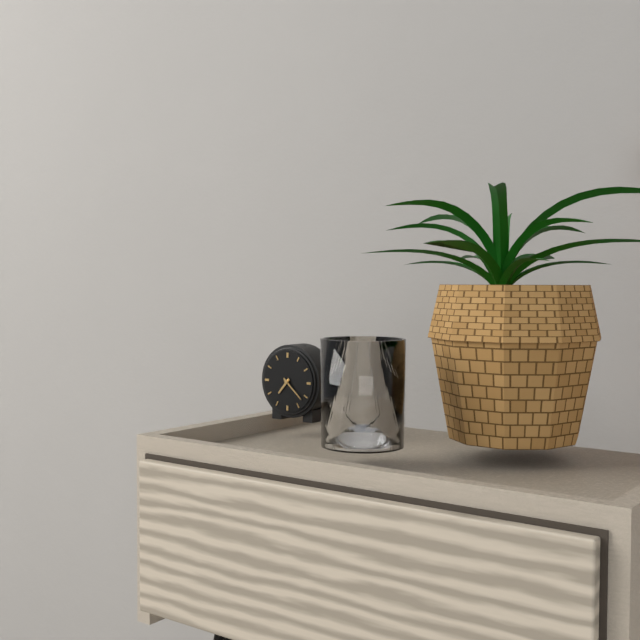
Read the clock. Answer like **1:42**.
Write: **7:22**
